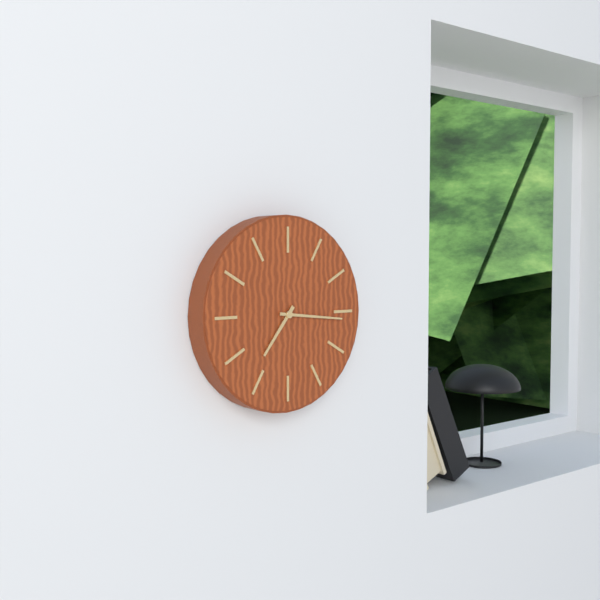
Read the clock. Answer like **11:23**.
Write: **7:16**
